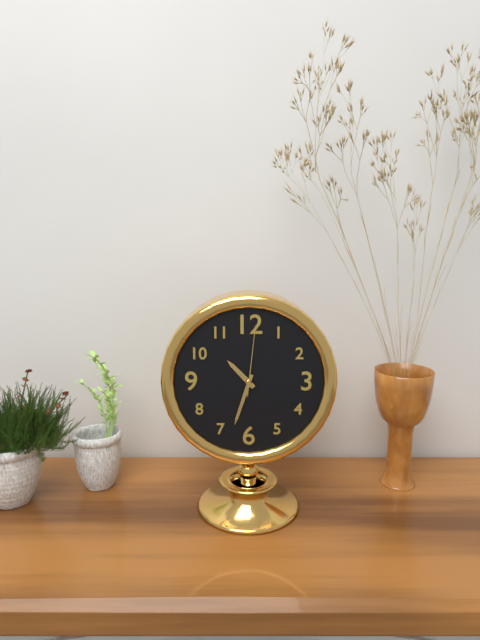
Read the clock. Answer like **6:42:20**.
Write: **10:33:01**
